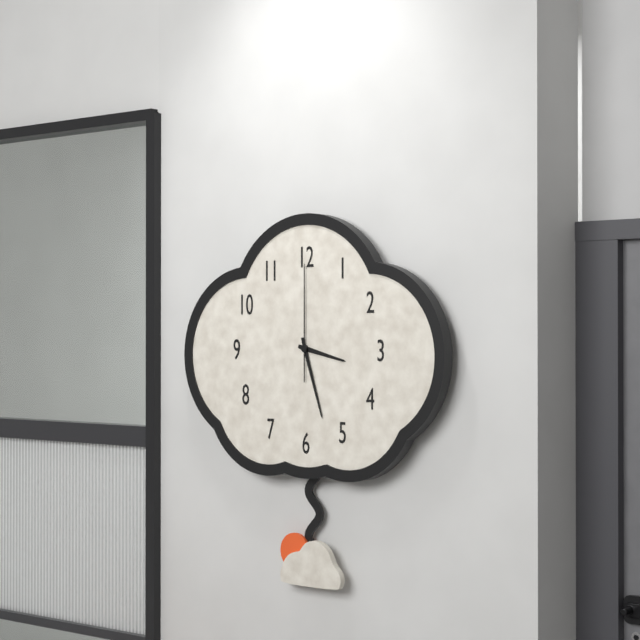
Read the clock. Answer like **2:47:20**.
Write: **3:27:00**
